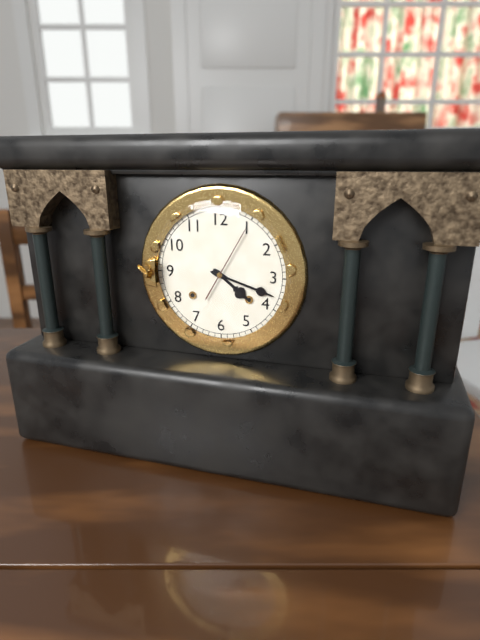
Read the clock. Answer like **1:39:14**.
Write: **4:18:05**
